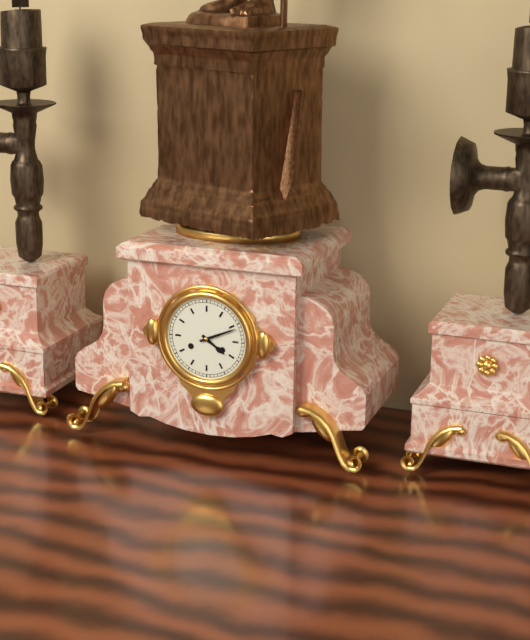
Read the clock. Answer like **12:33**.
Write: **4:11**
